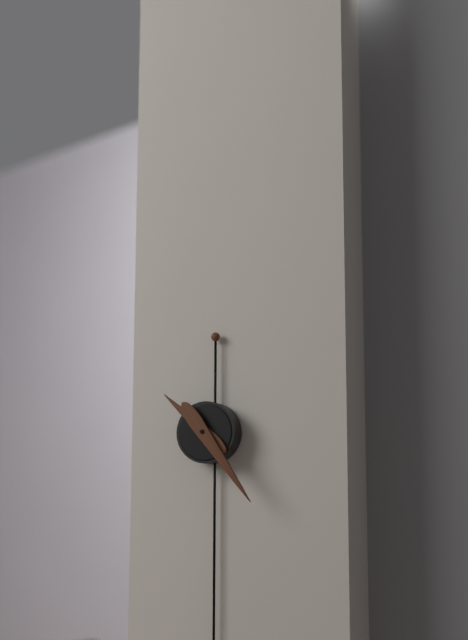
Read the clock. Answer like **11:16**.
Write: **10:24**
